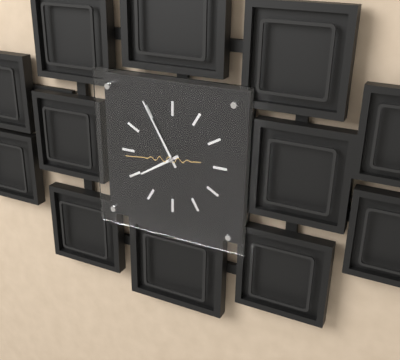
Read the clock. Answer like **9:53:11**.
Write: **7:55:44**
